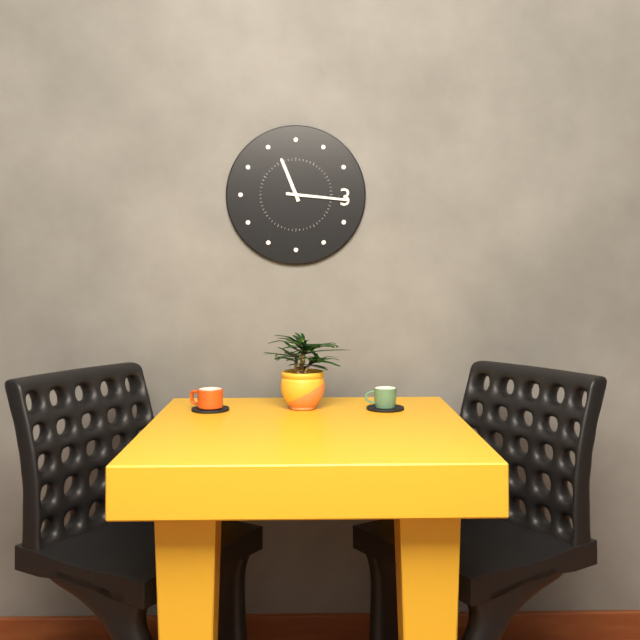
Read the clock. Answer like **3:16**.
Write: **11:16**
